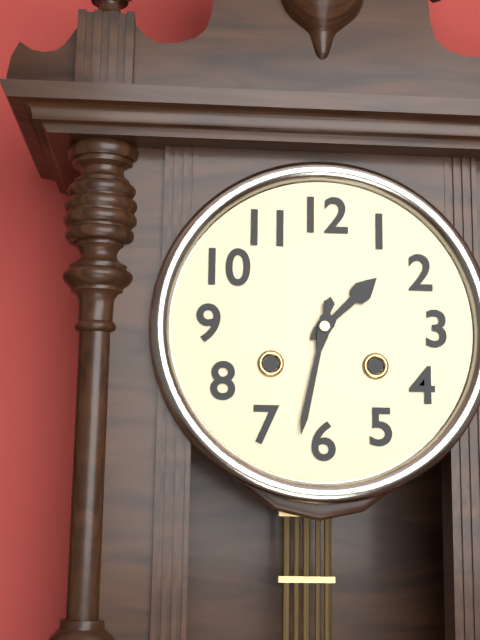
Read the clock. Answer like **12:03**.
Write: **1:32**
